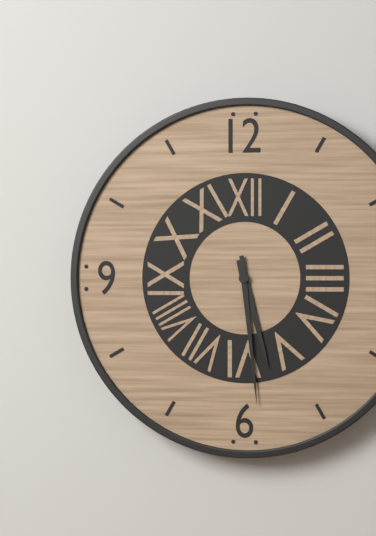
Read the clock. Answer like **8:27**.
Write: **5:29**
